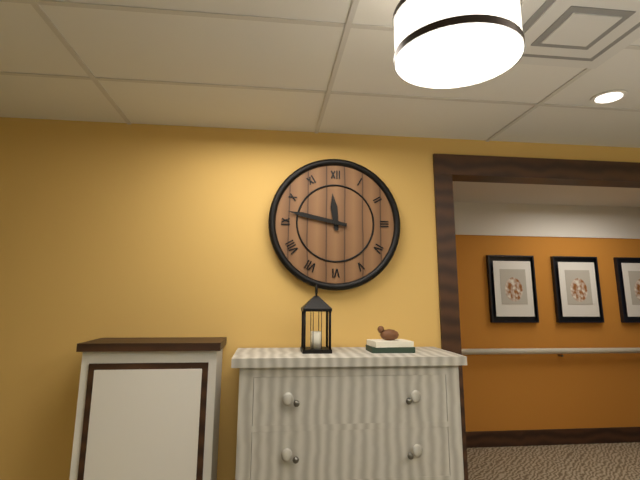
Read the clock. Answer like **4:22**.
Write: **11:47**
